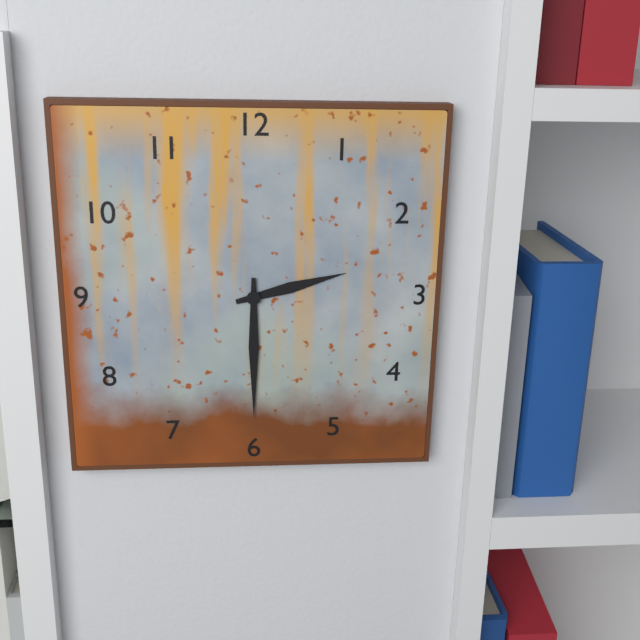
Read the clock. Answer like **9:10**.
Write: **2:30**
